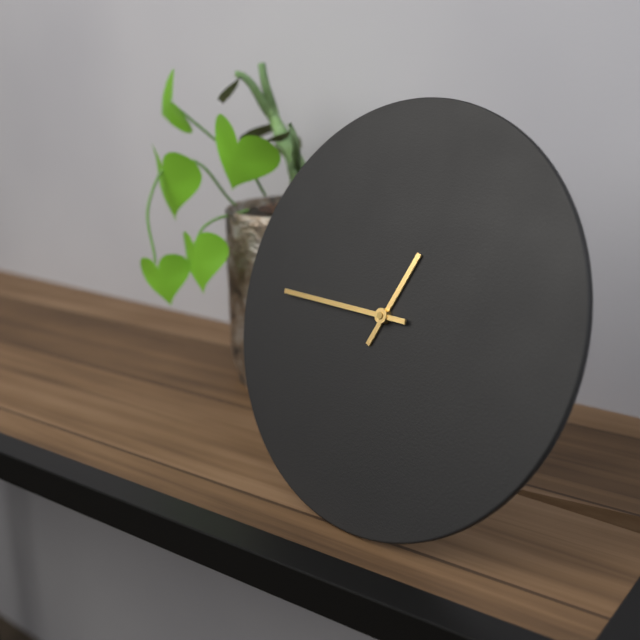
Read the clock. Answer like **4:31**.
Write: **12:45**
